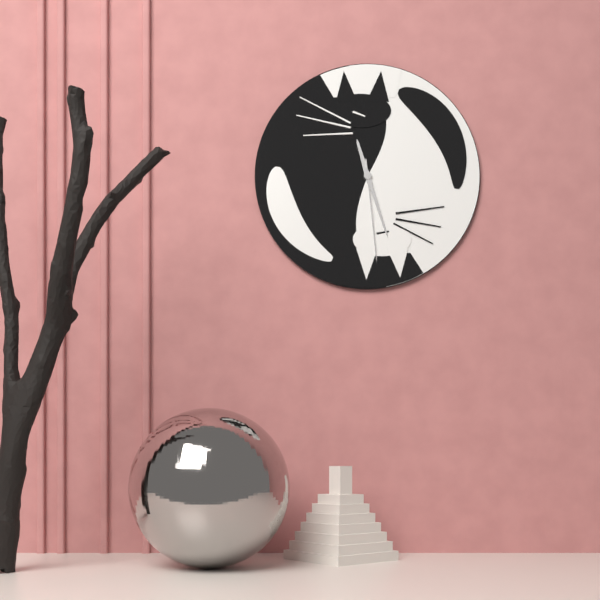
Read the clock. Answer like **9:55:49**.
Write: **11:27:29**
